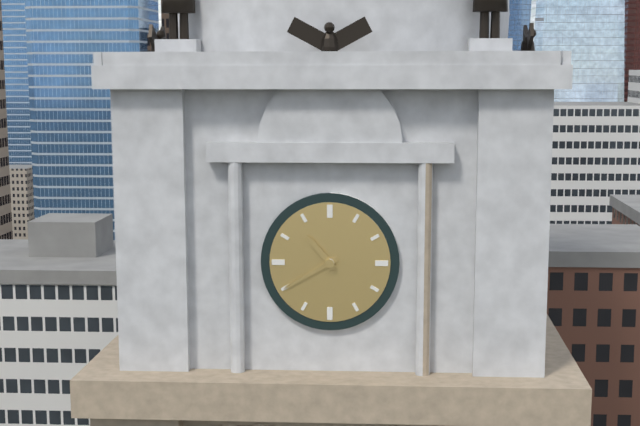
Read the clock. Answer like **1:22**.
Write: **10:40**
